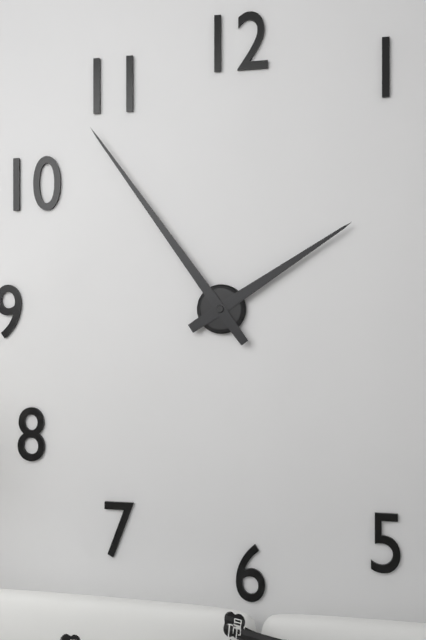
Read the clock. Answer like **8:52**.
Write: **1:54**
